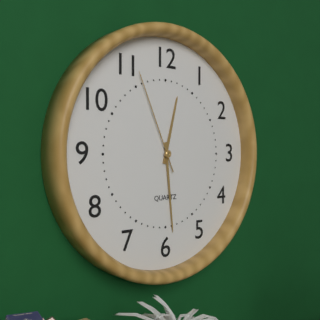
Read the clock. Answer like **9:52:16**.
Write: **12:29:56**
